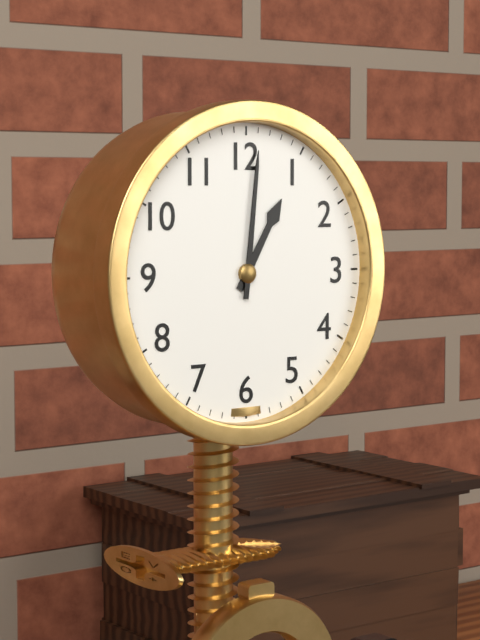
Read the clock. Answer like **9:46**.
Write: **1:01**
